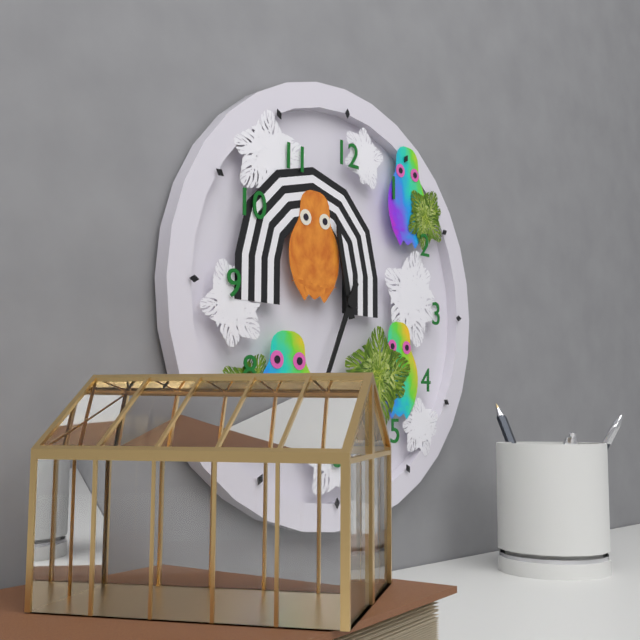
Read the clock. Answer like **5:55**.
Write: **11:34**
